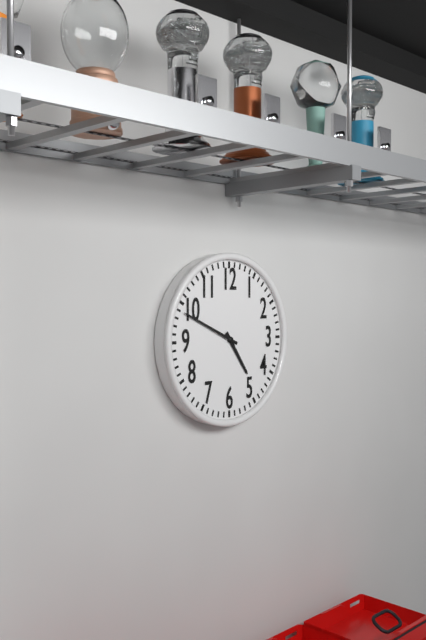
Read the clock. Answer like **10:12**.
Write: **4:49**
